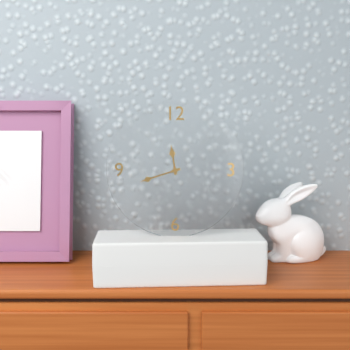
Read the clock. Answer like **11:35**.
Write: **11:42**
